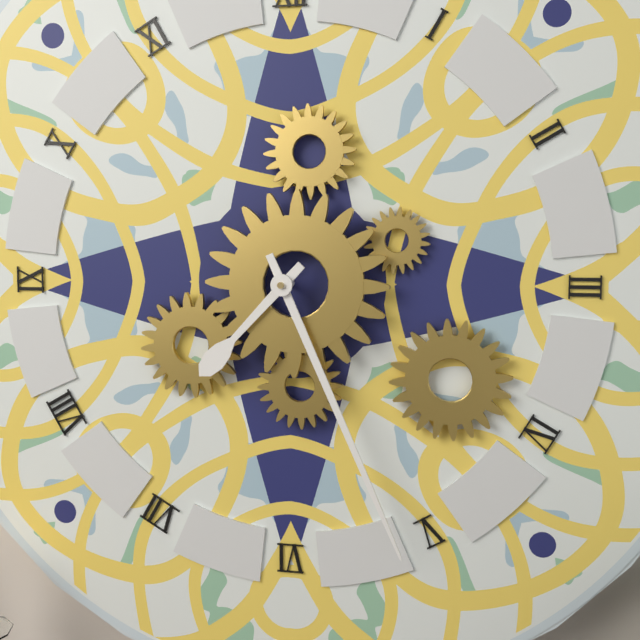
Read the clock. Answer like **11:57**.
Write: **7:26**
